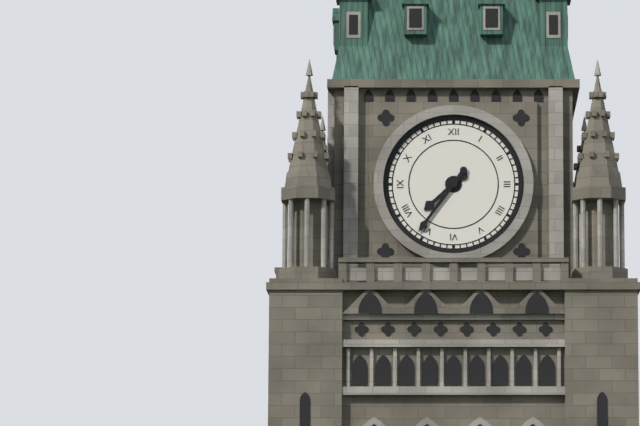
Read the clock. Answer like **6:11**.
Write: **7:36**
